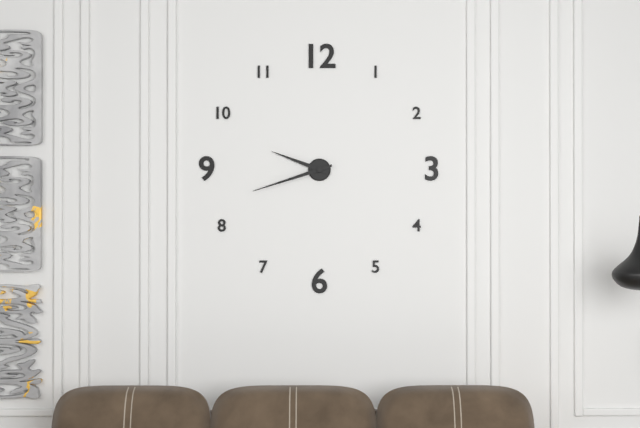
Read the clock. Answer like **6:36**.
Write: **9:42**
